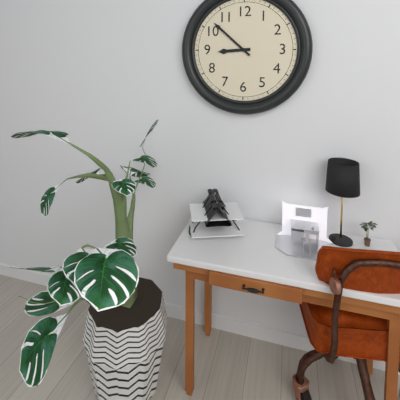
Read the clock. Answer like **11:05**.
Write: **8:52**
